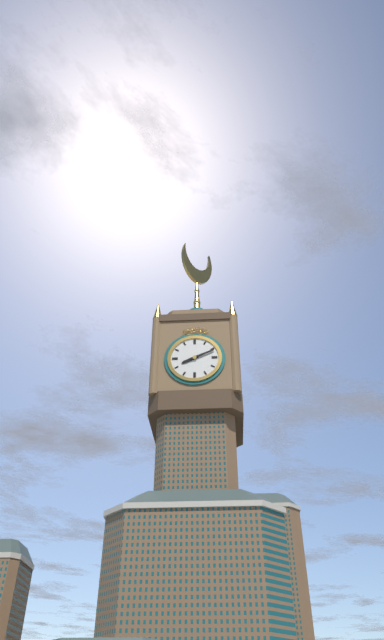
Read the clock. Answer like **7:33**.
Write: **8:11**
